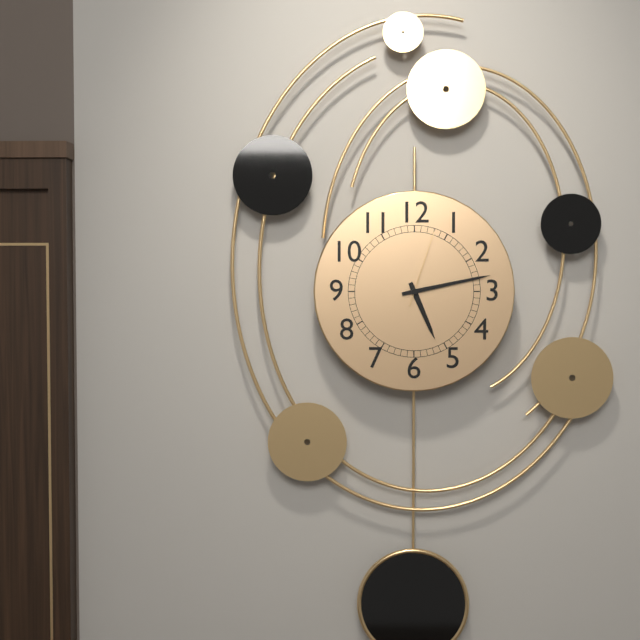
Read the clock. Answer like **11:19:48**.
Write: **5:13:03**
